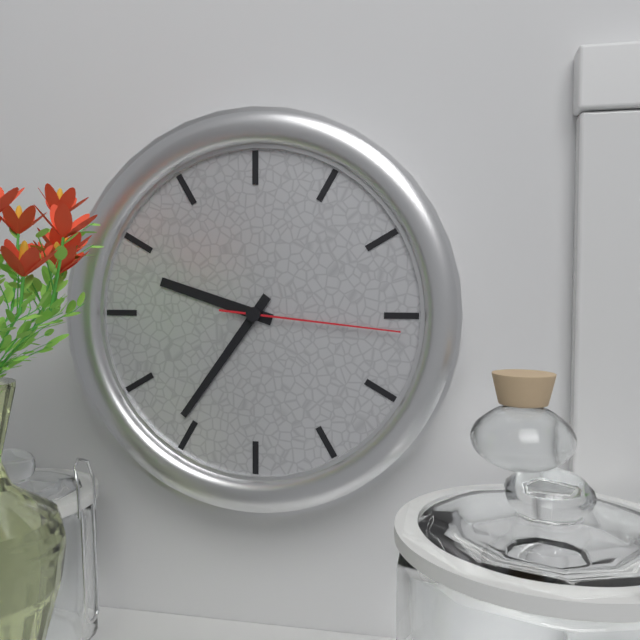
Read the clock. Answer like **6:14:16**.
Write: **9:36:16**
